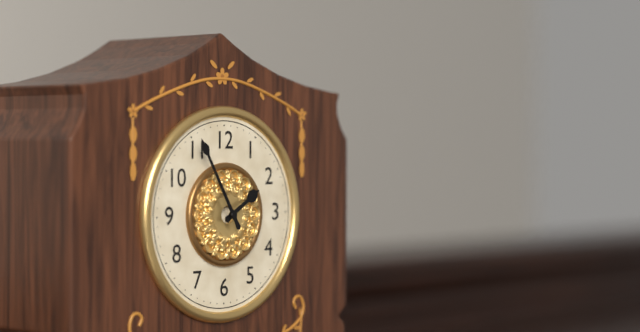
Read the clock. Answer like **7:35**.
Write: **1:55**
